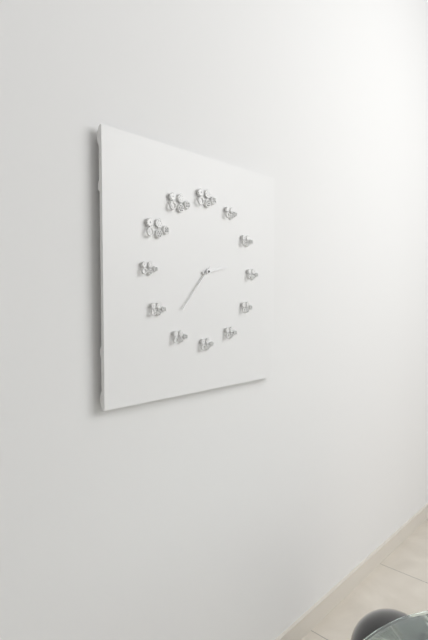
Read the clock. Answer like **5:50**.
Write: **2:37**
